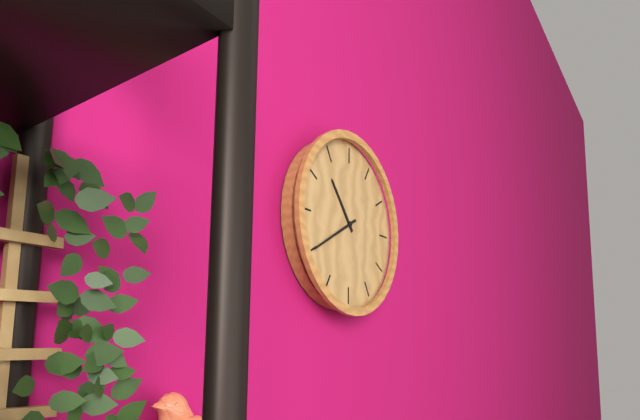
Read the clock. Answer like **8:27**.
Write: **10:40**
